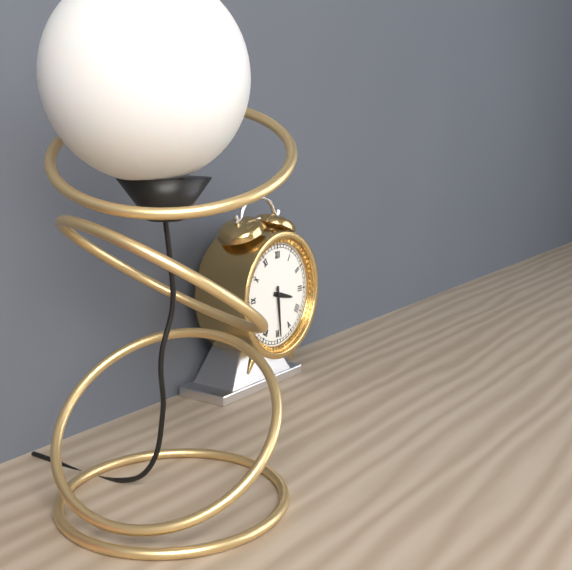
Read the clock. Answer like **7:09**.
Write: **3:29**
